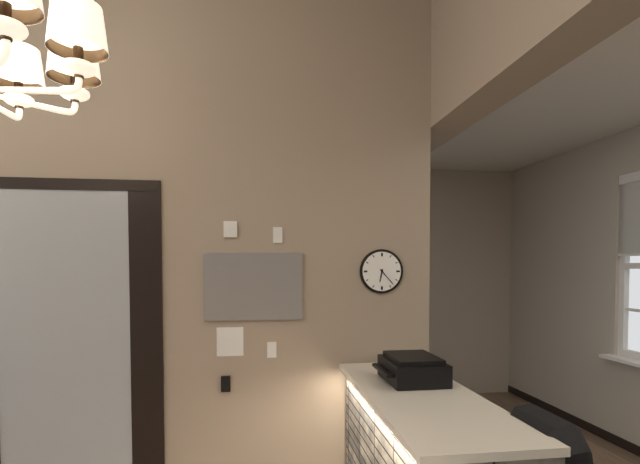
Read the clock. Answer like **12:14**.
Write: **6:23**
